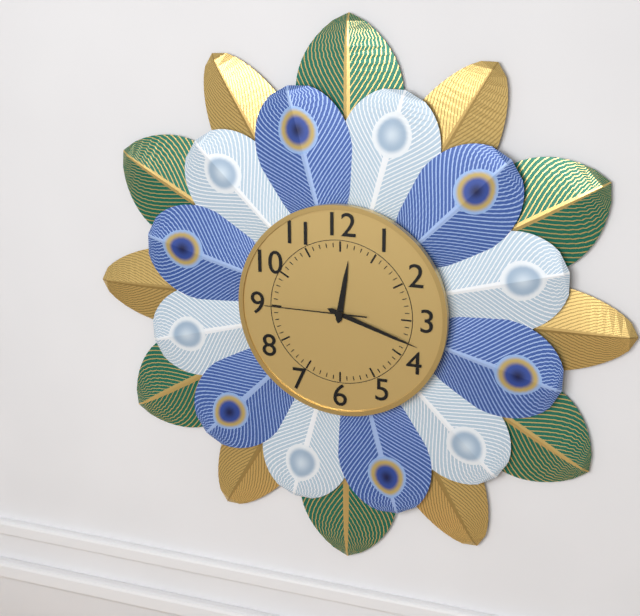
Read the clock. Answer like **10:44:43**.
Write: **12:18:45**
